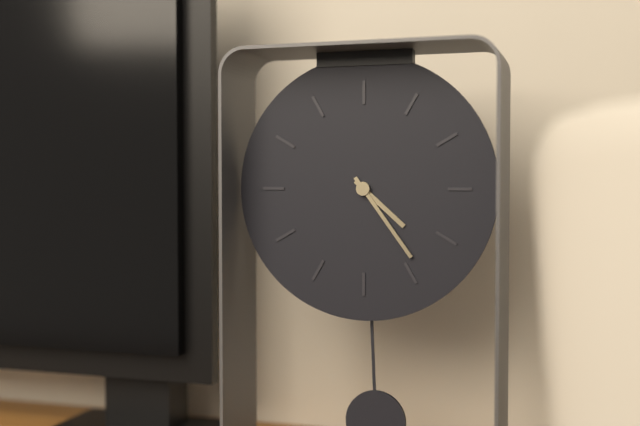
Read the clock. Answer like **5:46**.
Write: **4:24**
